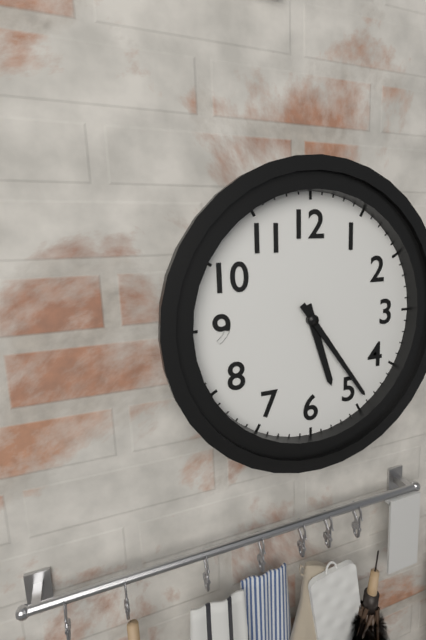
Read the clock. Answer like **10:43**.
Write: **5:24**
